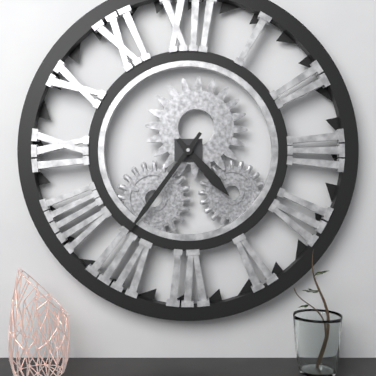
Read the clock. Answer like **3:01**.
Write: **4:36**
